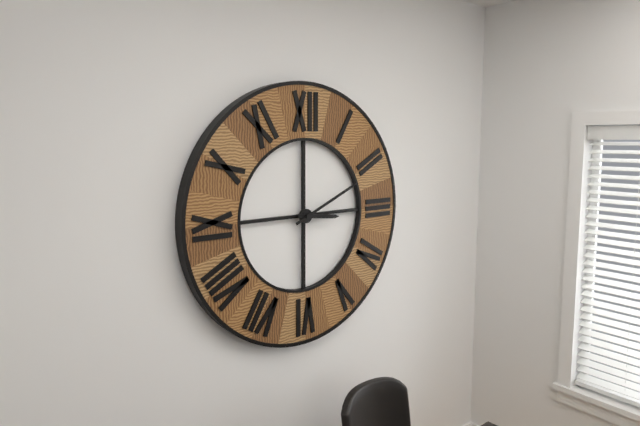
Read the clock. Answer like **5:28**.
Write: **3:11**
